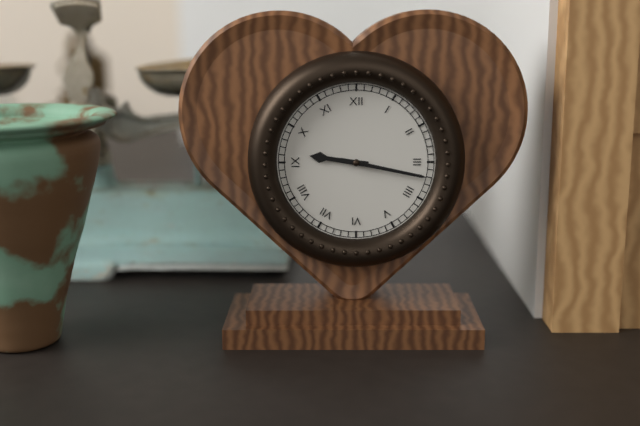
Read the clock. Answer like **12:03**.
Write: **9:17**
